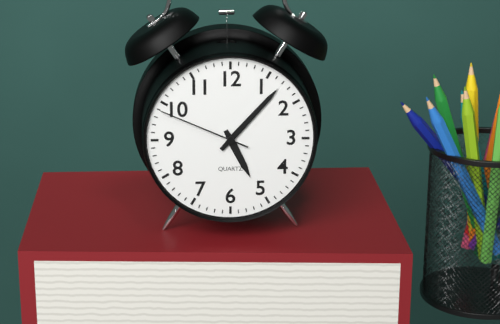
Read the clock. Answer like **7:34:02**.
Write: **5:07:49**
